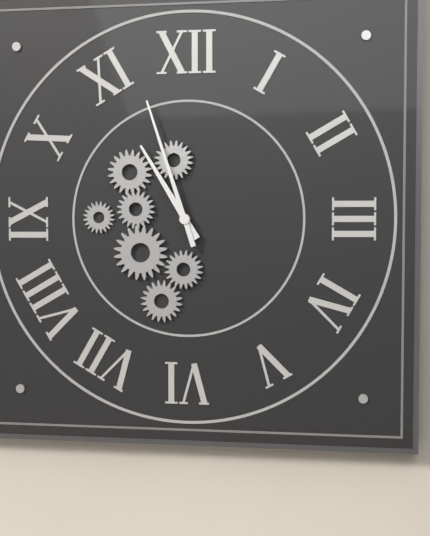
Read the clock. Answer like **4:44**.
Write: **10:57**
